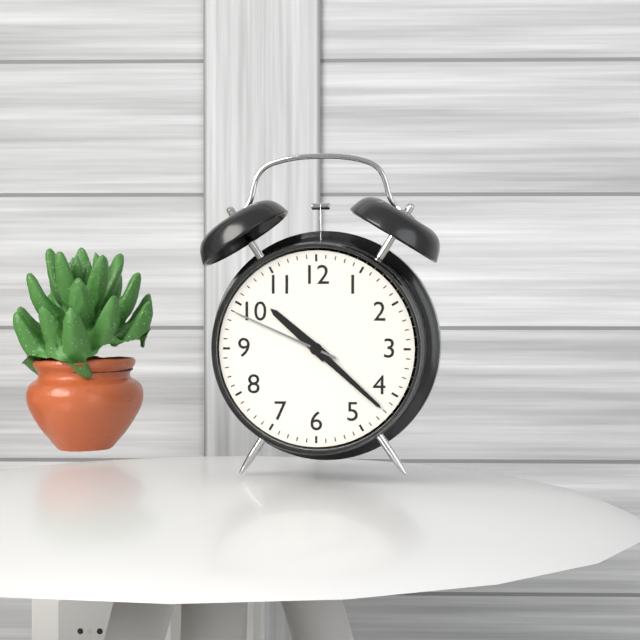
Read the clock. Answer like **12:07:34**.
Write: **10:22:49**
